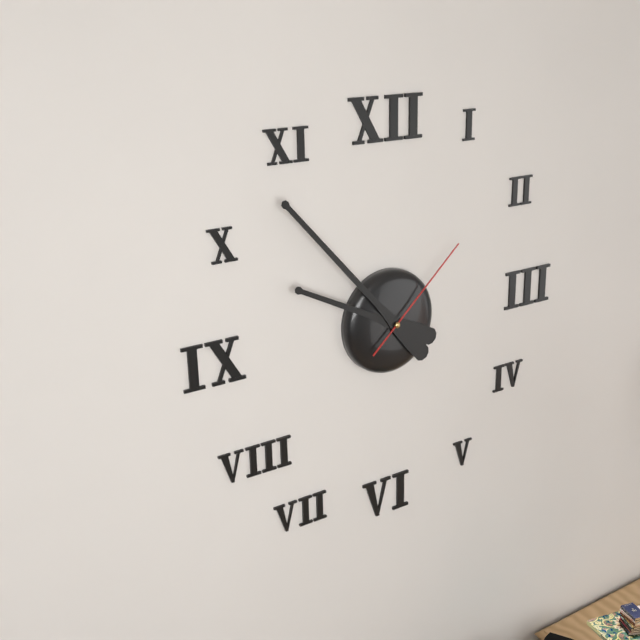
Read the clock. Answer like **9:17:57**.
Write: **9:53:08**
